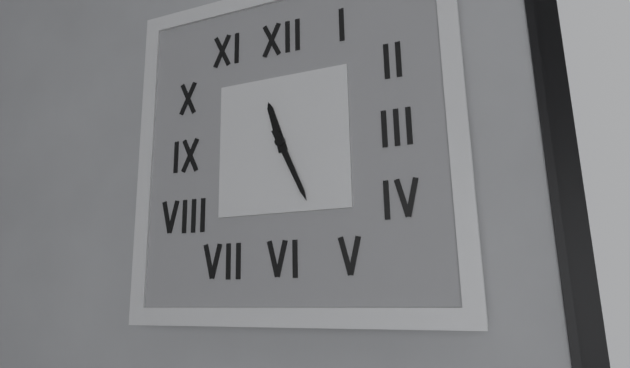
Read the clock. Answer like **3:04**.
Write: **11:26**
